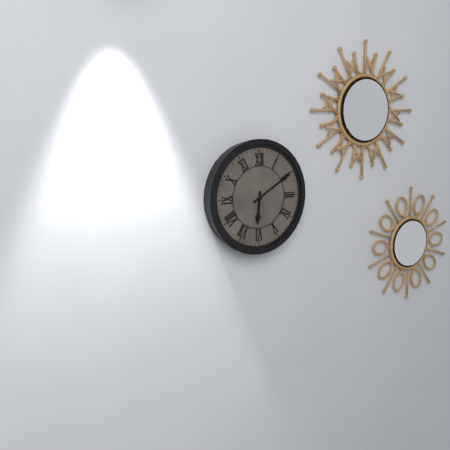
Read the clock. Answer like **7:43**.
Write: **6:10**
